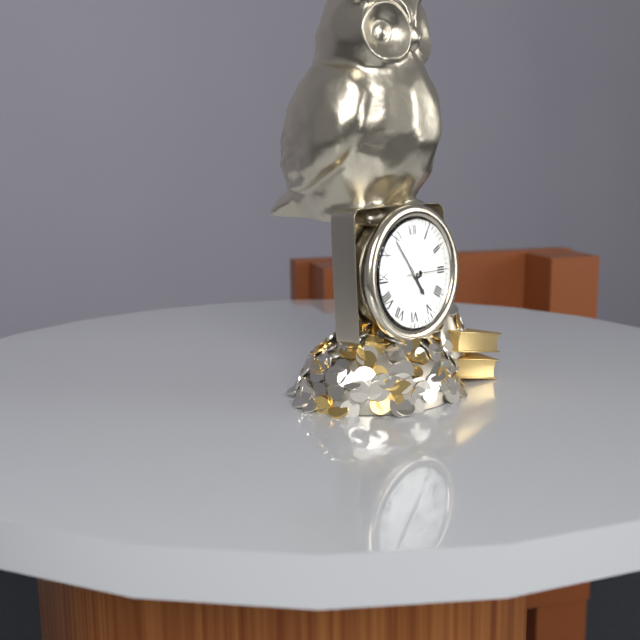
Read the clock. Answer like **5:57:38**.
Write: **4:54:15**
